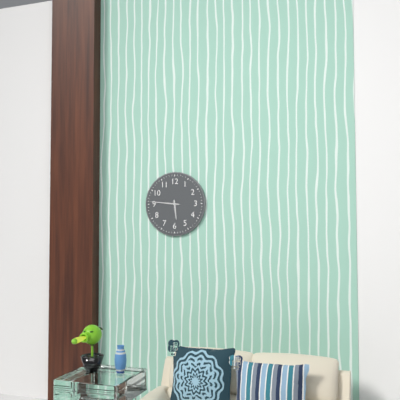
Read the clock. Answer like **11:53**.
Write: **5:46**
